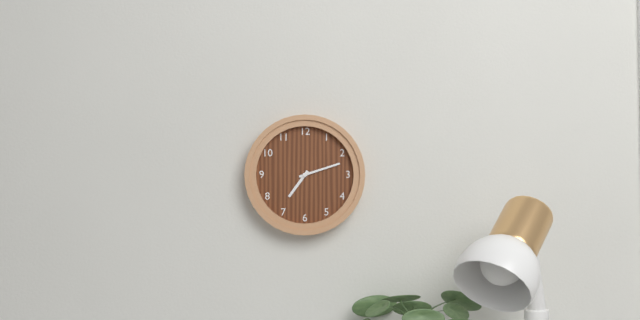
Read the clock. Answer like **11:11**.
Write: **7:12**
